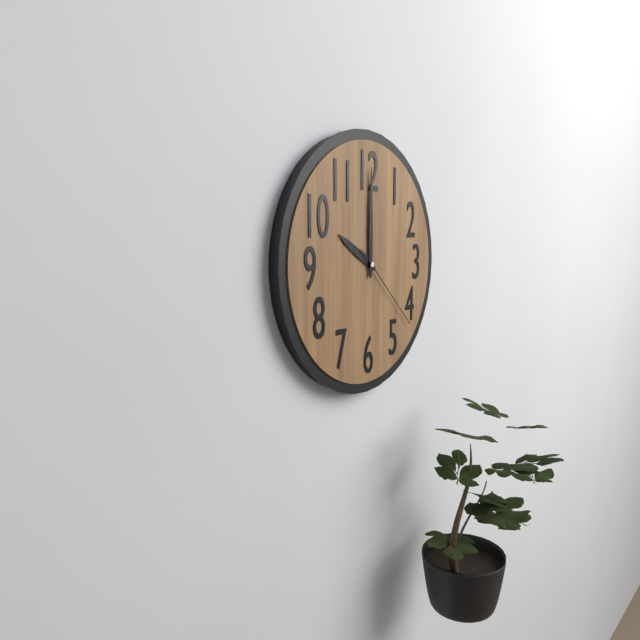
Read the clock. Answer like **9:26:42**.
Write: **10:00:22**
